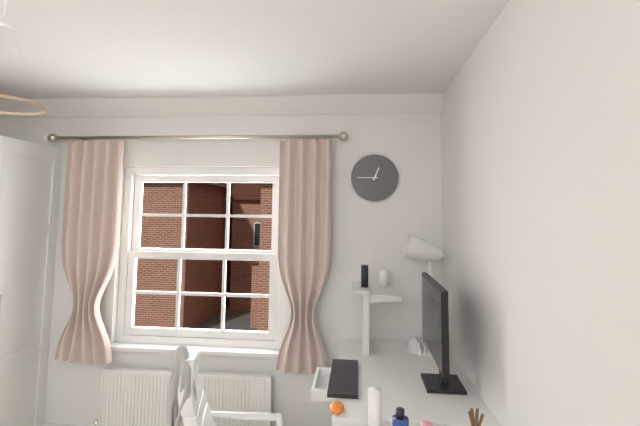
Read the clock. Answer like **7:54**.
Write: **12:45**
